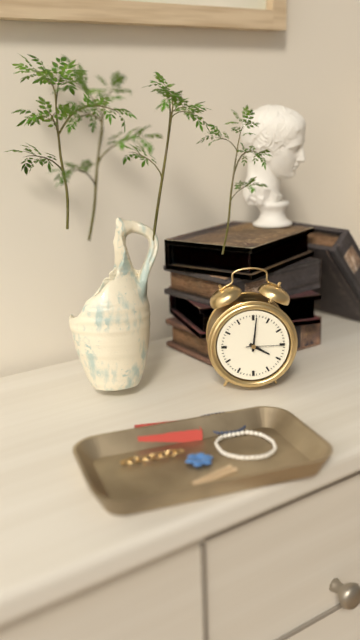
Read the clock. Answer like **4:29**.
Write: **4:01**
